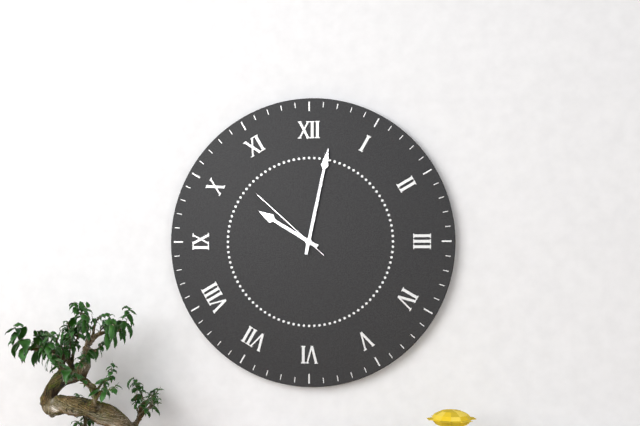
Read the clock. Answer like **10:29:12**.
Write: **10:02:52**
